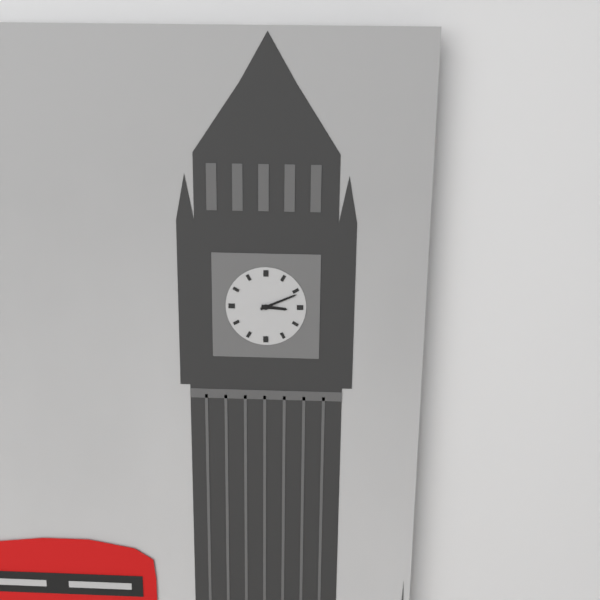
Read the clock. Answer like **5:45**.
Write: **3:11**
